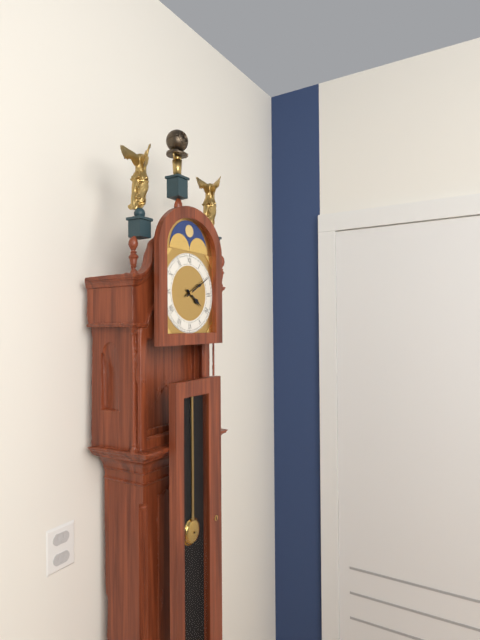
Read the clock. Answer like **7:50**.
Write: **4:10**
